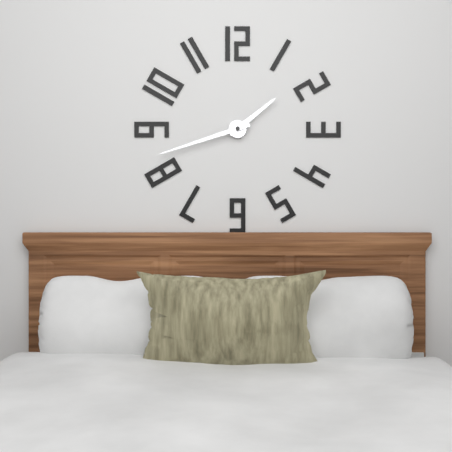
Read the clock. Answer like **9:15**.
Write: **1:42**
